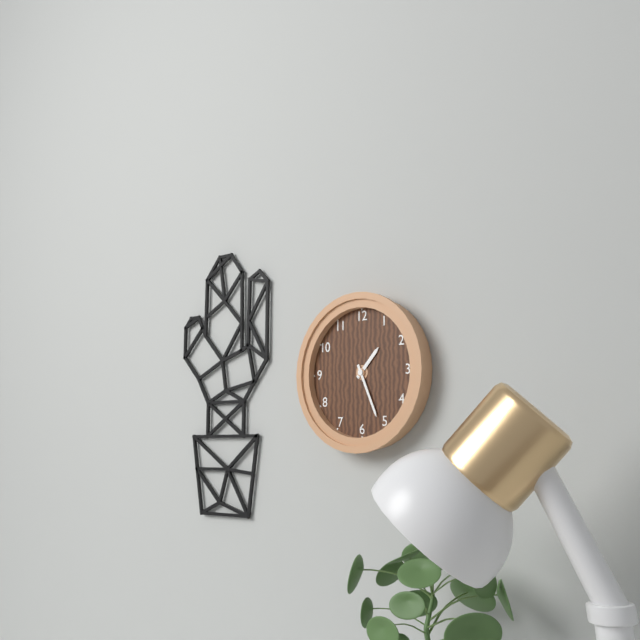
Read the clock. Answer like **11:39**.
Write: **1:26**
